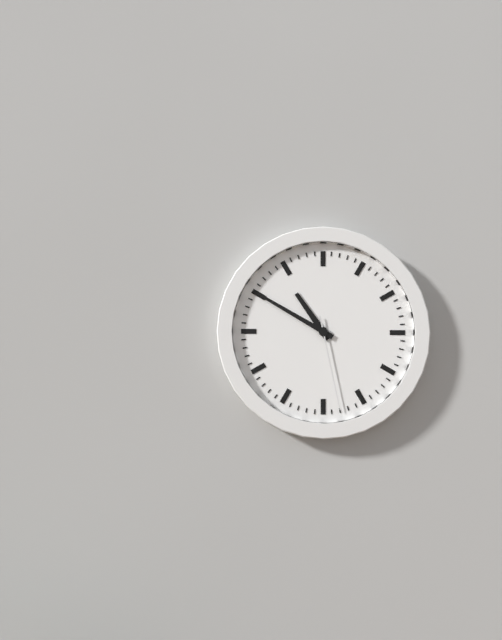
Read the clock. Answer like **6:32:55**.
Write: **10:50:28**
